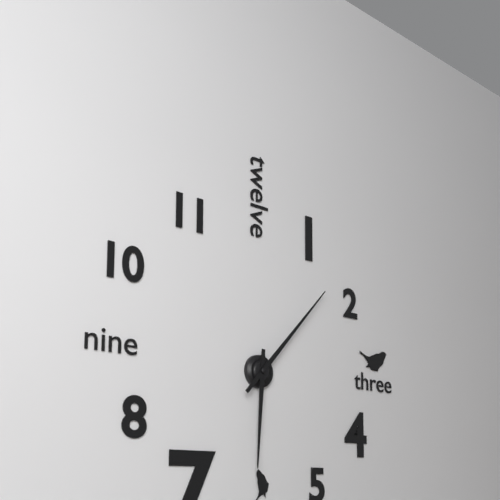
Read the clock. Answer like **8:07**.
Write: **6:07**
